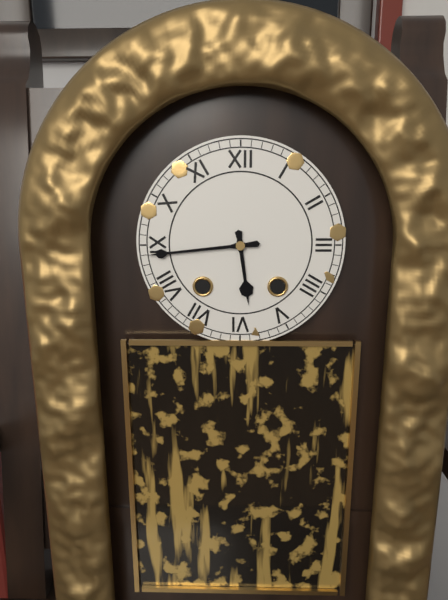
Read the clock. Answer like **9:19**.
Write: **5:44**
